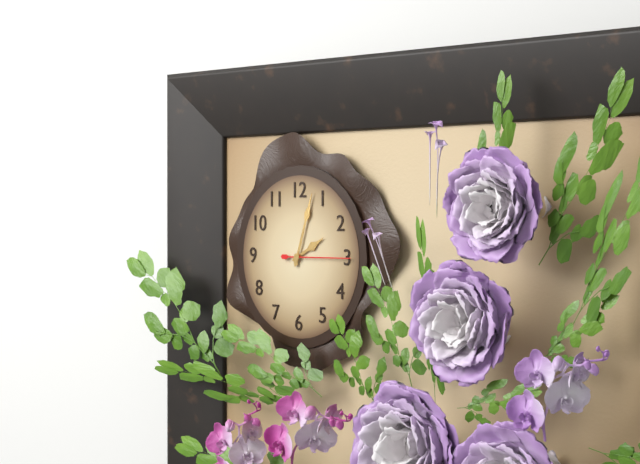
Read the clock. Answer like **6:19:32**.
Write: **2:03:15**
